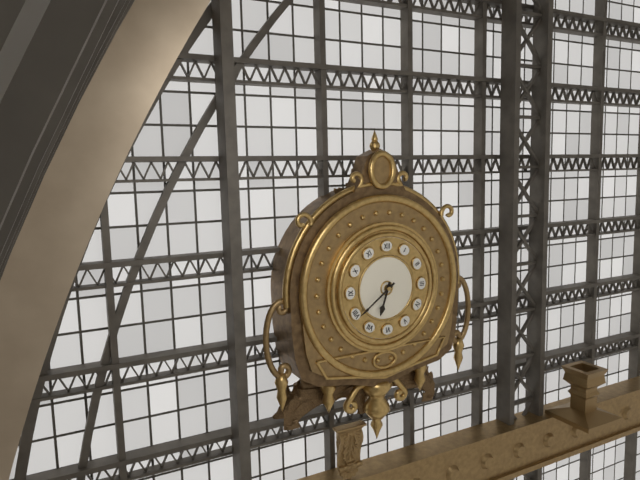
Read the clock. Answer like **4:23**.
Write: **6:39**
